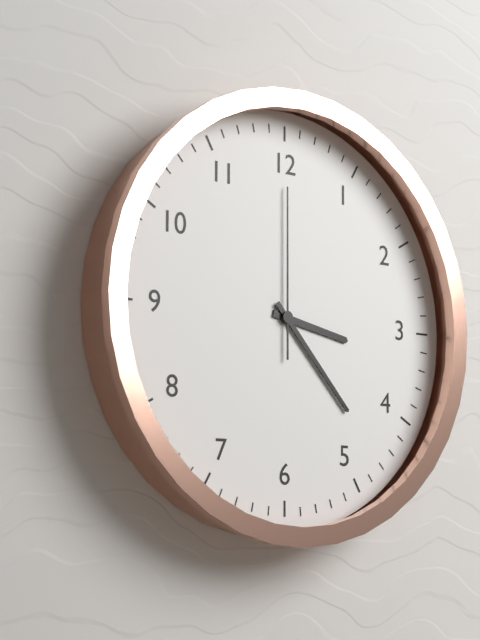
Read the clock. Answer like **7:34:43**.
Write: **3:23:00**
